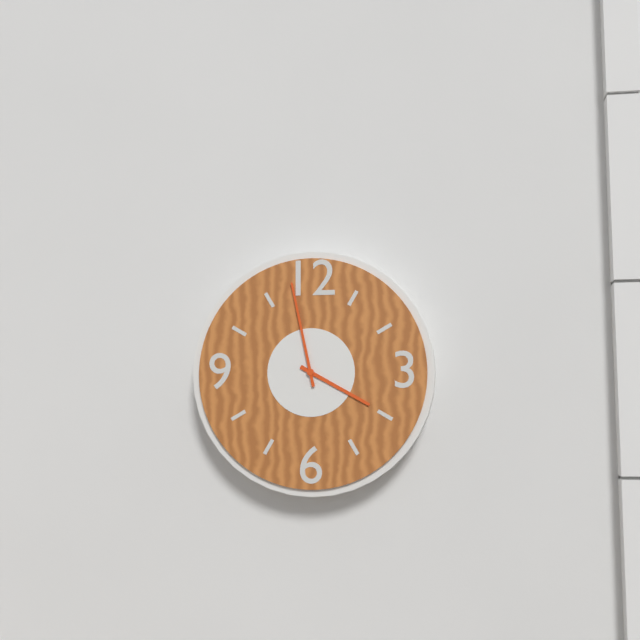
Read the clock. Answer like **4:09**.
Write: **3:58**
